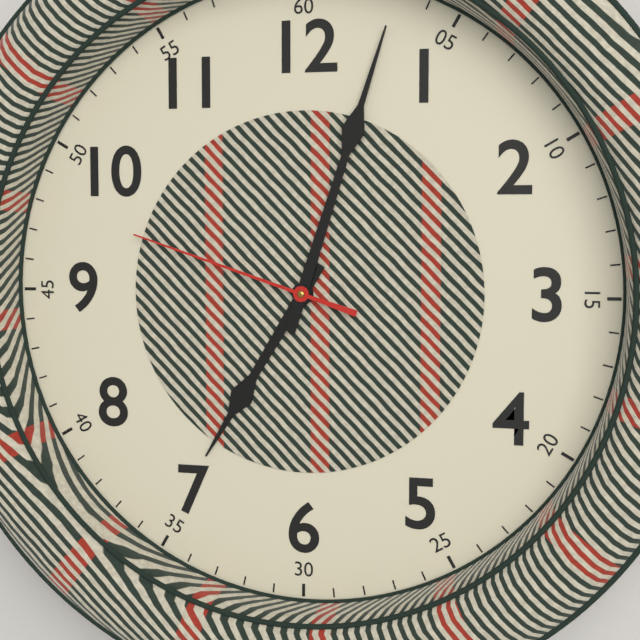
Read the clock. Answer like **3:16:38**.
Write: **7:03:48**
